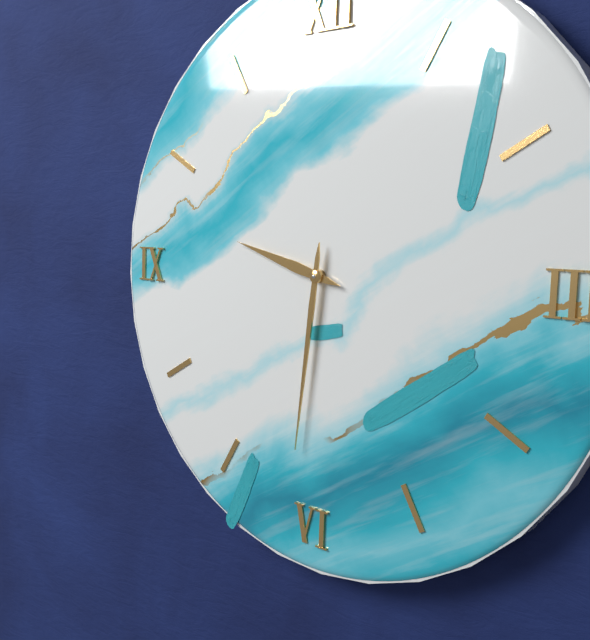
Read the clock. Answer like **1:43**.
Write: **9:31**
